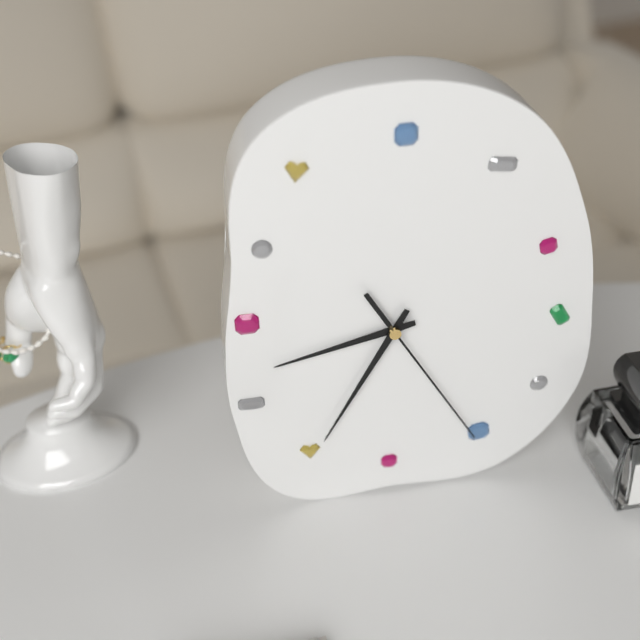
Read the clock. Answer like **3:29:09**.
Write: **8:35:25**
